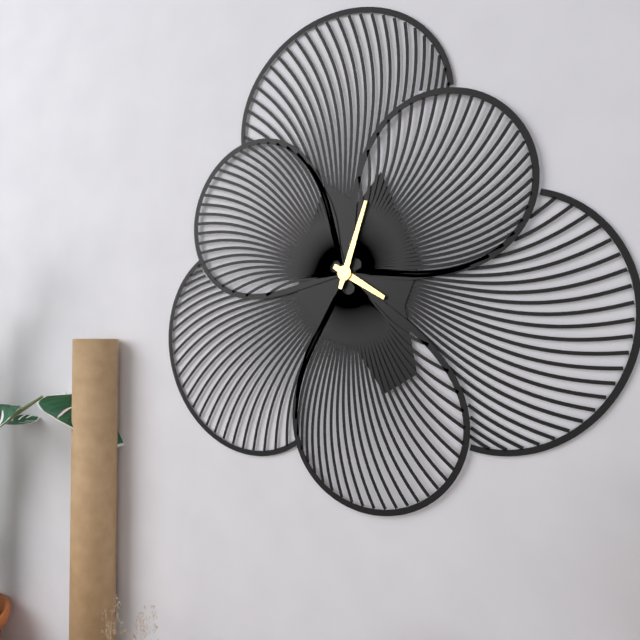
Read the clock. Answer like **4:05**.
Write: **4:03**
